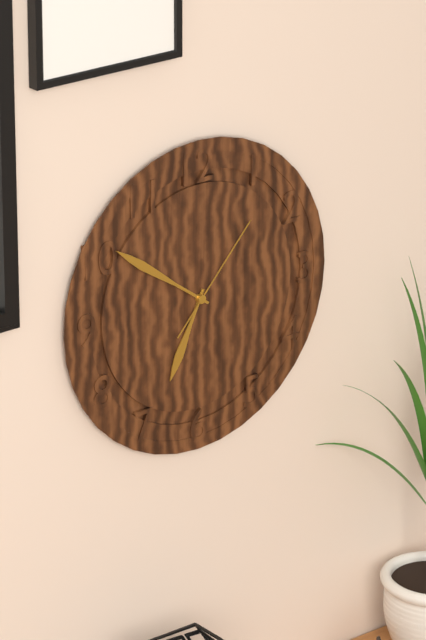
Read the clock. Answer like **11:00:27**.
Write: **6:51:07**
